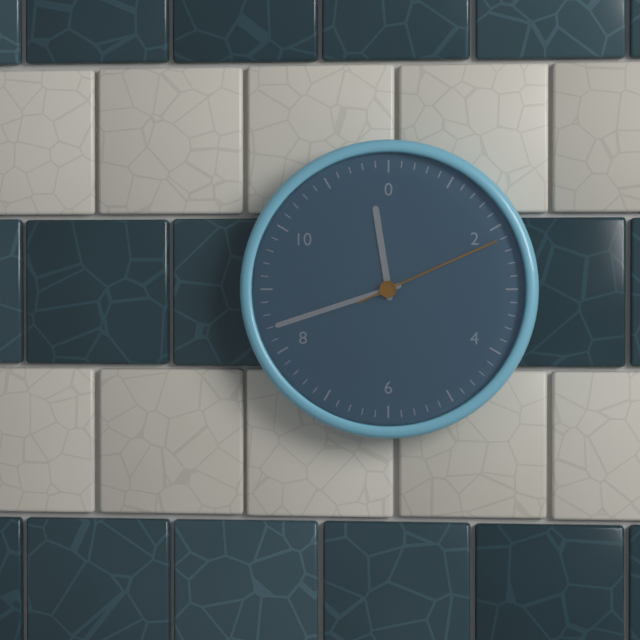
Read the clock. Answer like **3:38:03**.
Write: **11:42:11**
